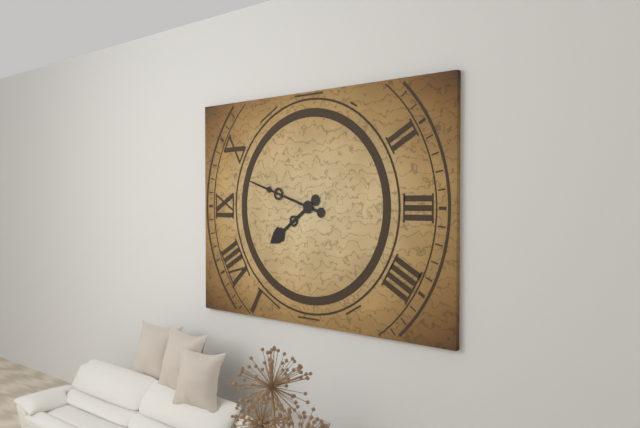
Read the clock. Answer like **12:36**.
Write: **7:48**
